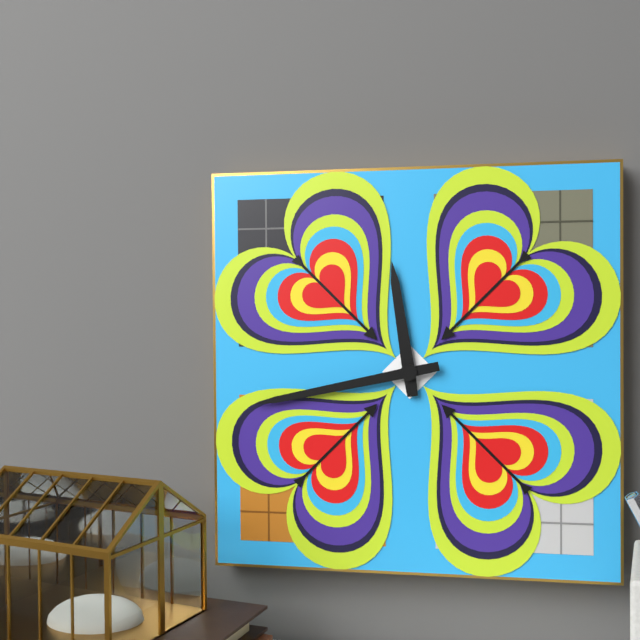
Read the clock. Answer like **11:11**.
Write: **11:43**
